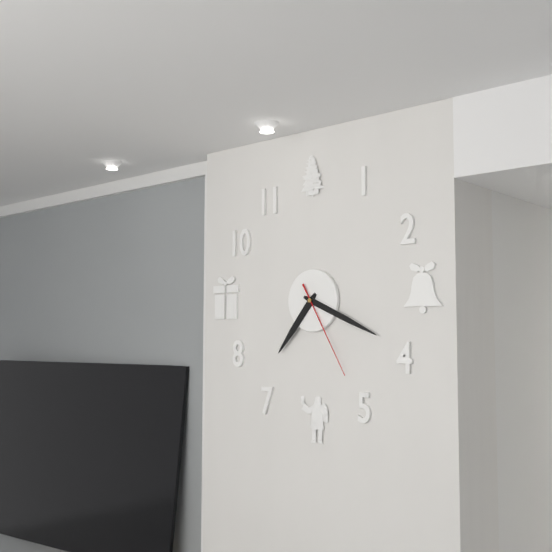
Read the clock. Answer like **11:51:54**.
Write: **7:19:25**
